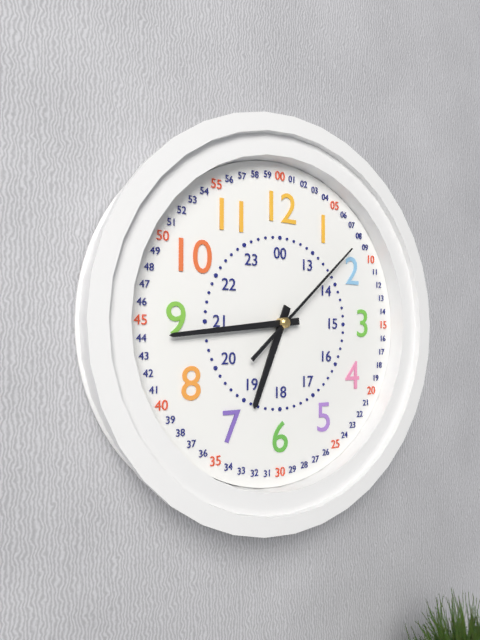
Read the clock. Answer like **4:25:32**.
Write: **6:44:08**
